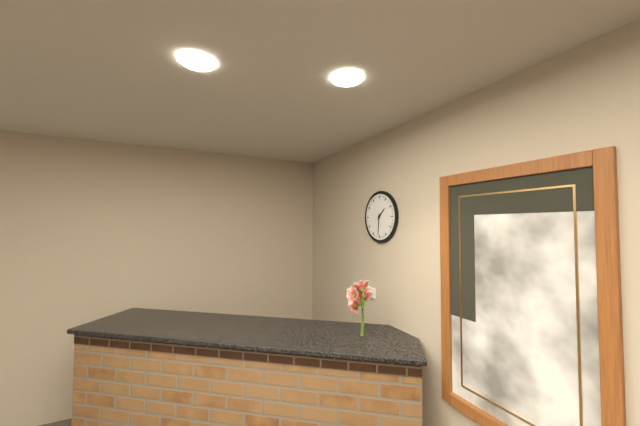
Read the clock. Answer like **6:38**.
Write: **1:31**
